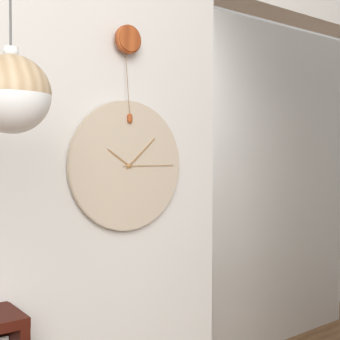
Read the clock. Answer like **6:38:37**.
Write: **10:08:15**
